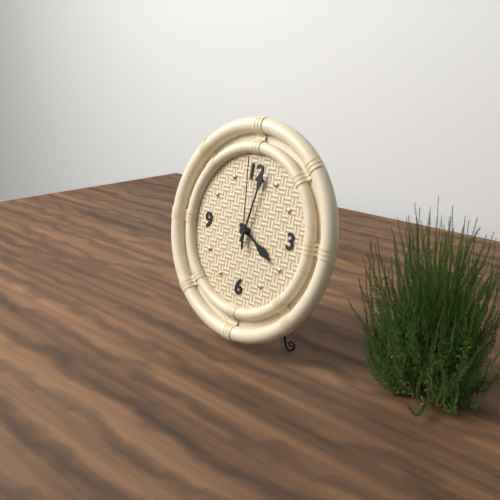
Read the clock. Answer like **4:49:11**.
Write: **4:02:59**
